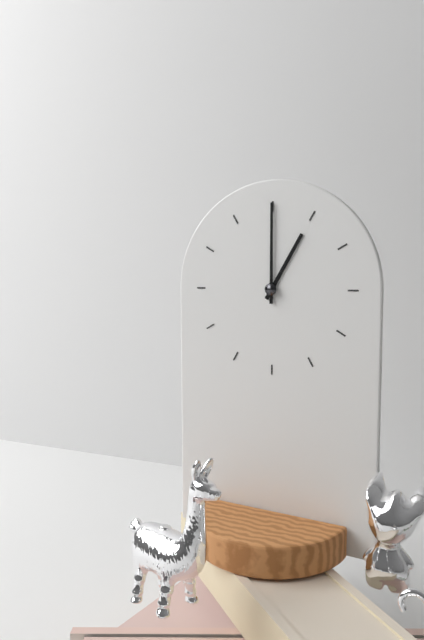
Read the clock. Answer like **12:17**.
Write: **1:00**
